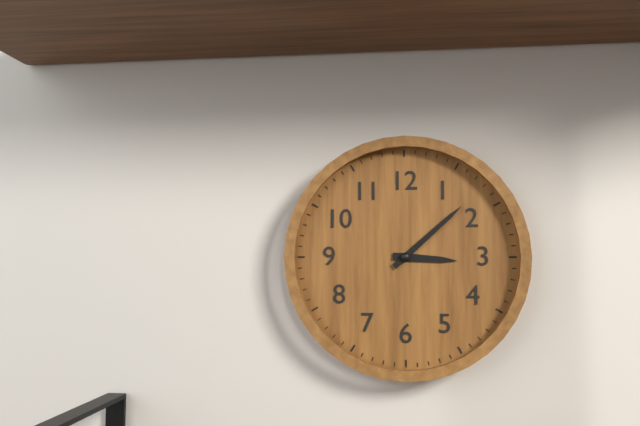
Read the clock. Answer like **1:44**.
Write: **3:08**
